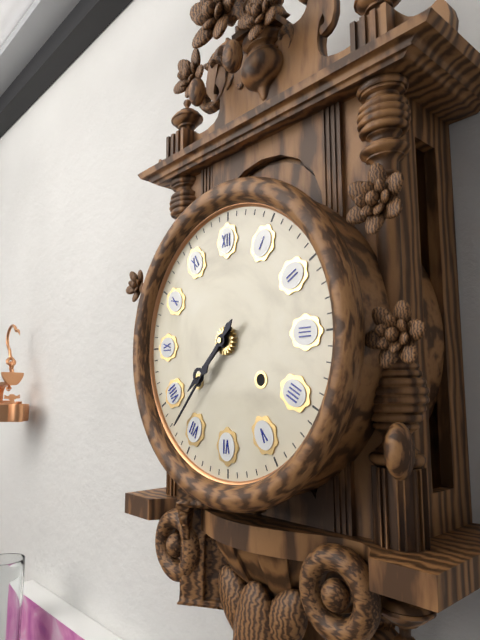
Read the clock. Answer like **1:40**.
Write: **7:37**
